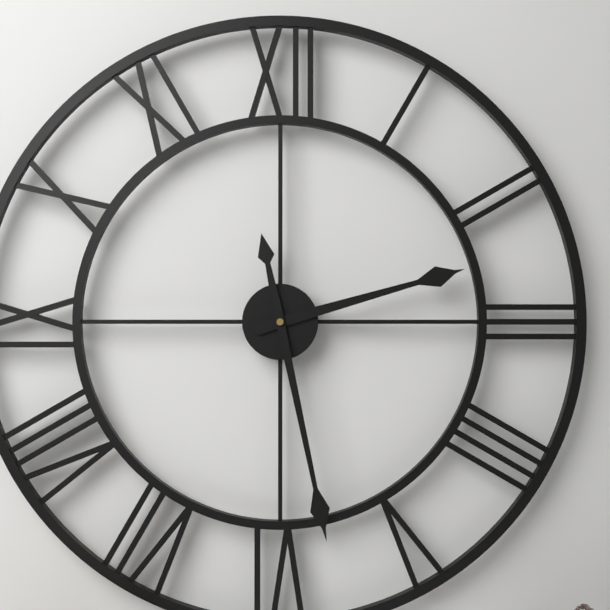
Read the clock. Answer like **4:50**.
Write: **2:28**
